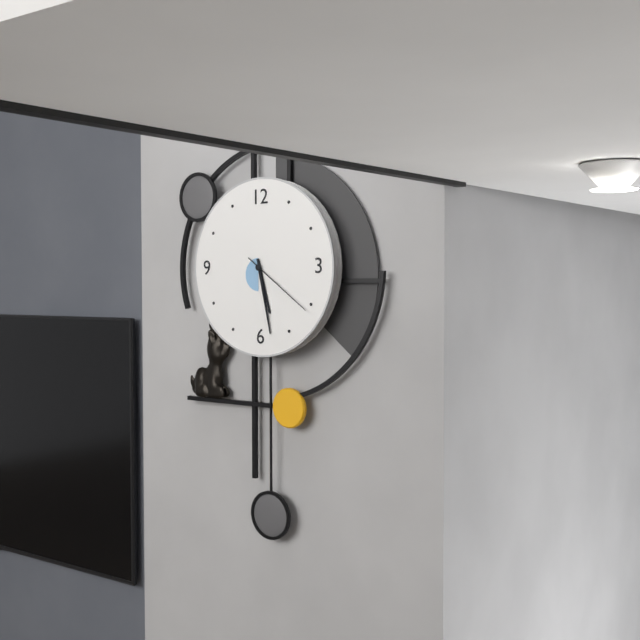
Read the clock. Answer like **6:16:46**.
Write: **5:28:21**
